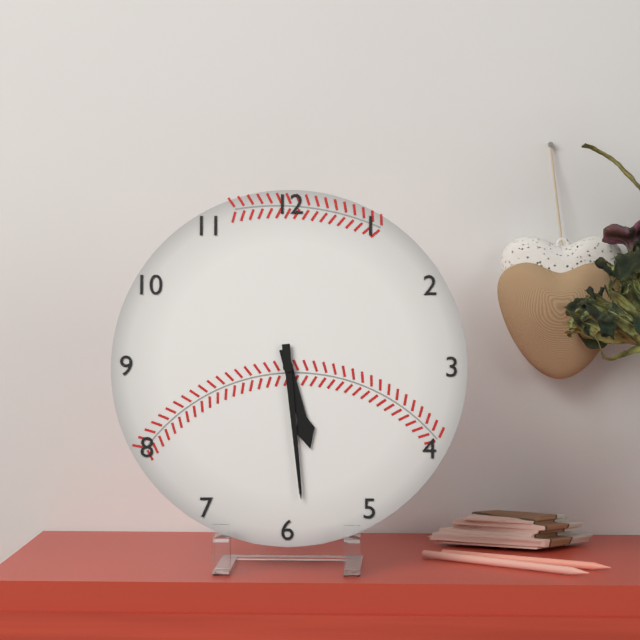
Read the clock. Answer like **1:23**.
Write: **5:29**
